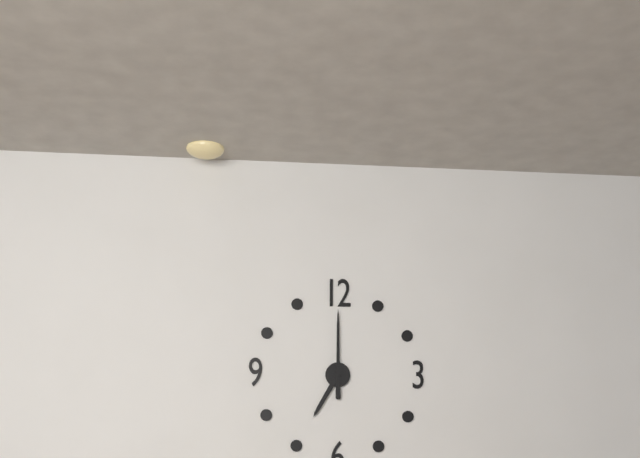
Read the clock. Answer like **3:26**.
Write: **7:00**
